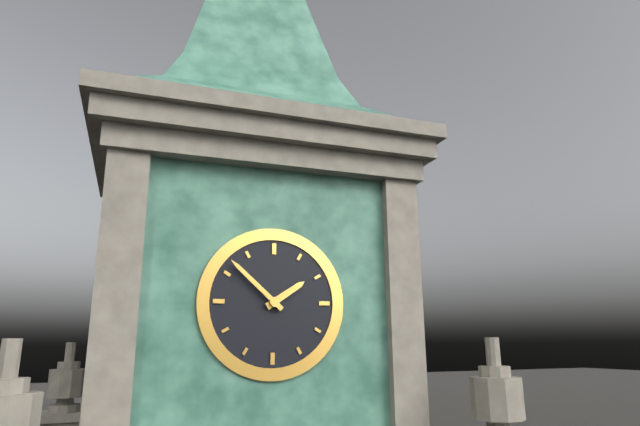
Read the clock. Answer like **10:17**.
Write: **1:52**
